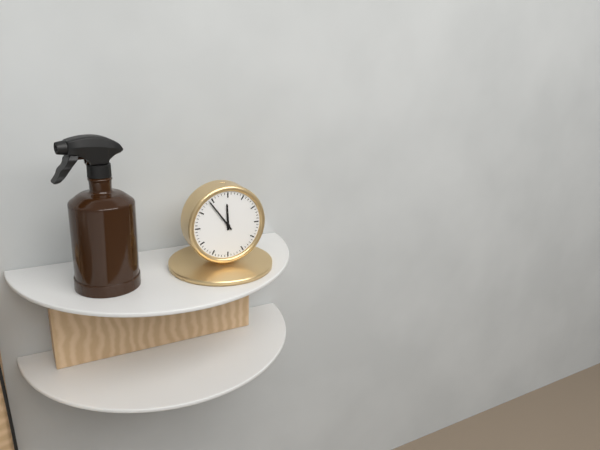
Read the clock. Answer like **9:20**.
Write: **11:54**
